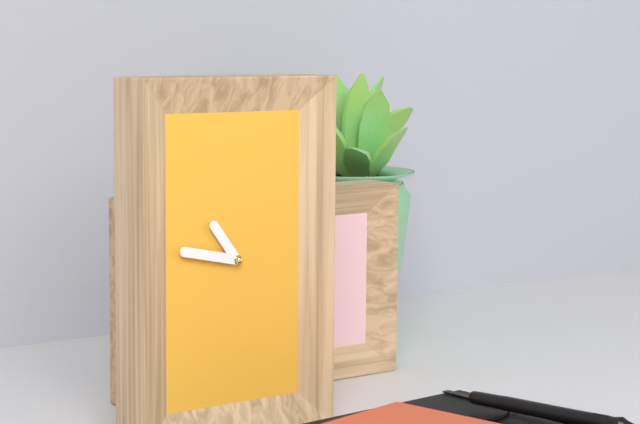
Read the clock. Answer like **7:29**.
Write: **10:47**
